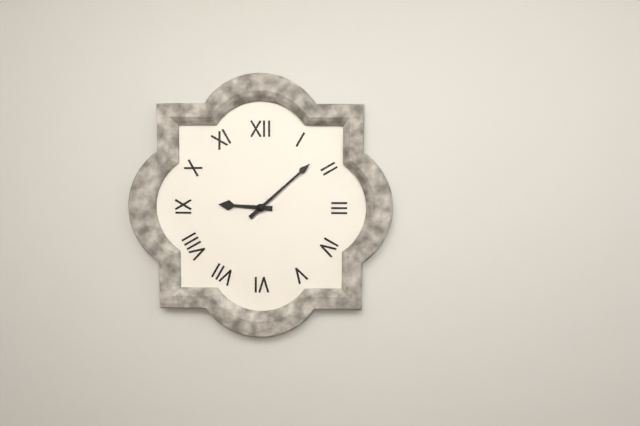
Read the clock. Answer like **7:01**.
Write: **9:08**
